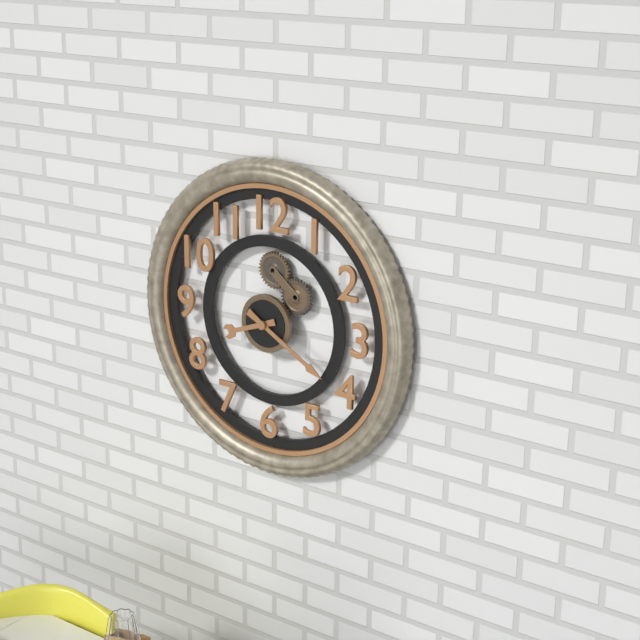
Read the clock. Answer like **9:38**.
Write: **8:20**
